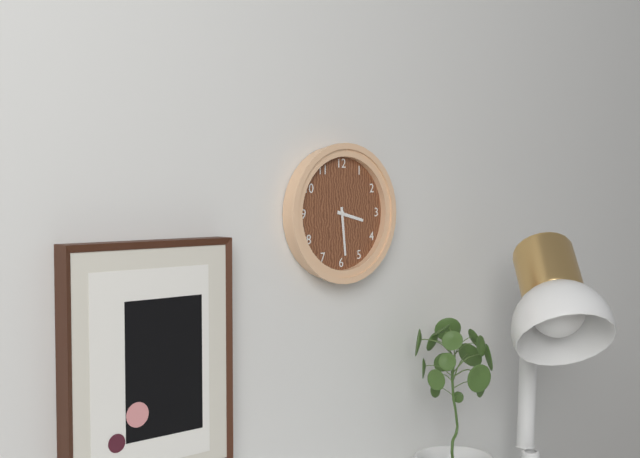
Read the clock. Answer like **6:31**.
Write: **3:29**
